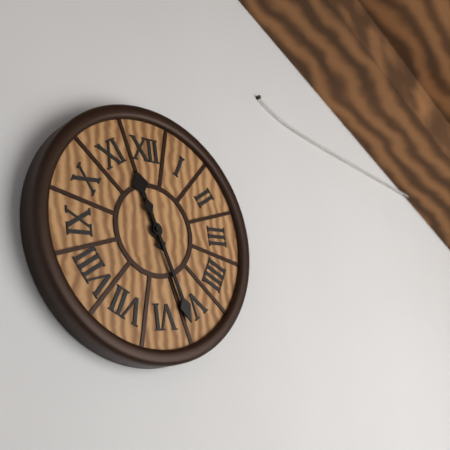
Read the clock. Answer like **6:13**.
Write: **11:27**
